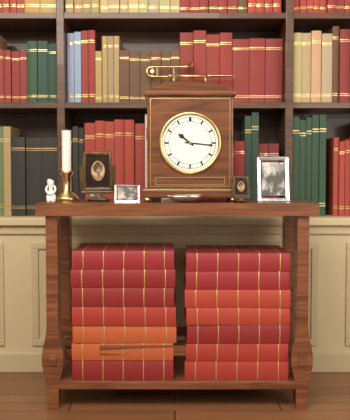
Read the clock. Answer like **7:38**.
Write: **10:16**
